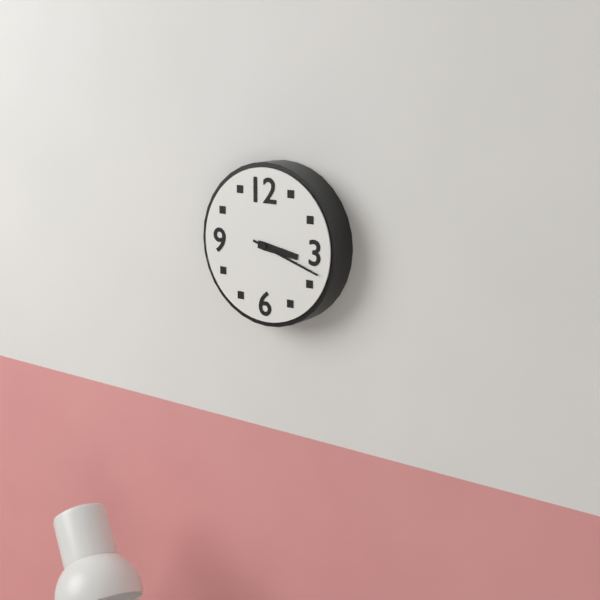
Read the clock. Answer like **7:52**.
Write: **3:18**
